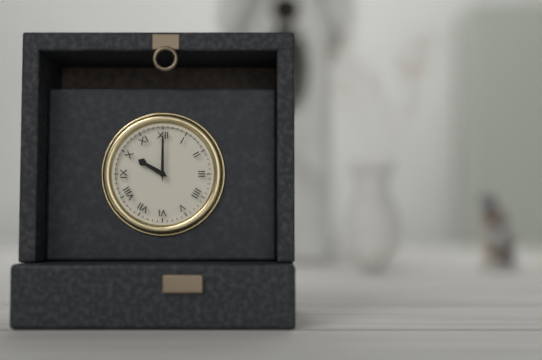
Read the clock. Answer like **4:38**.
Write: **10:00**
